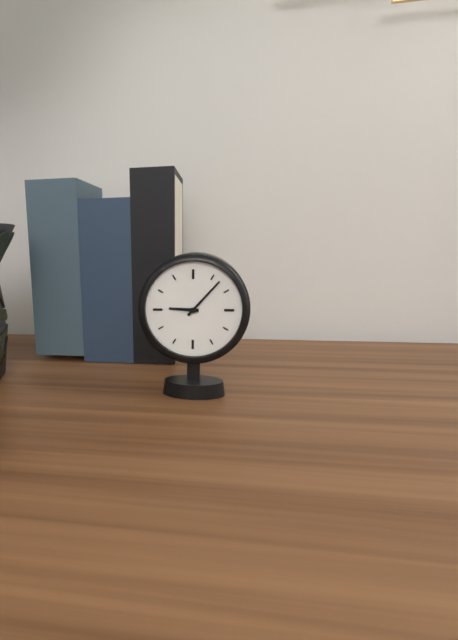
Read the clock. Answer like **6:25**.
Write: **9:07**
